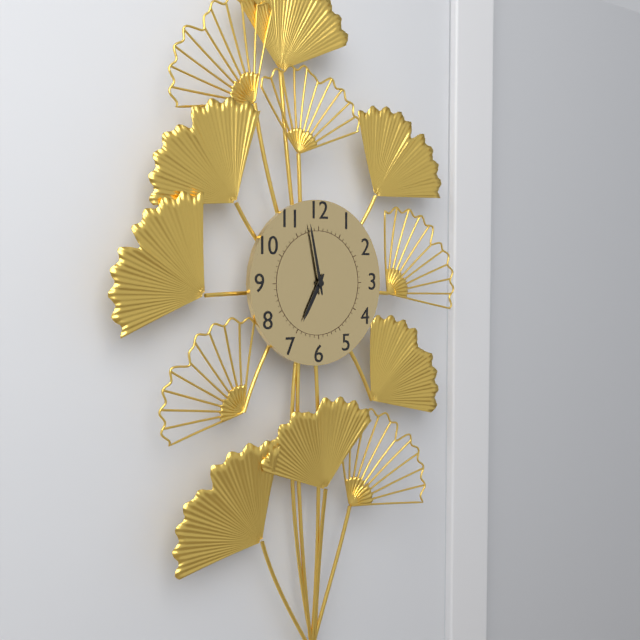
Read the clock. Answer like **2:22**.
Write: **6:58**
